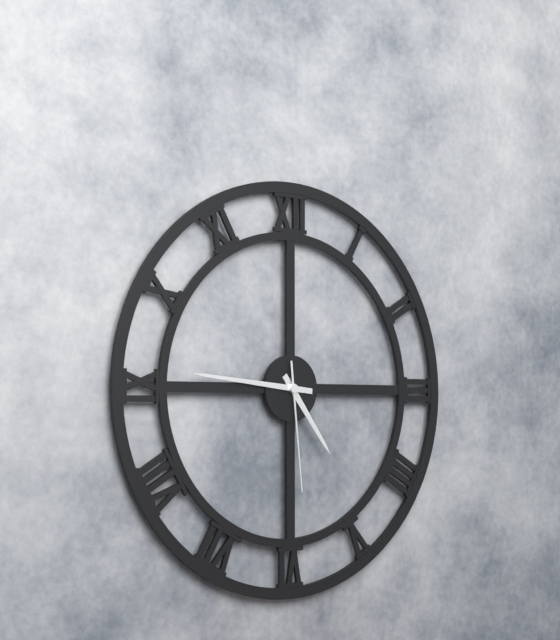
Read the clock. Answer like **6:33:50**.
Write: **4:46:29**
